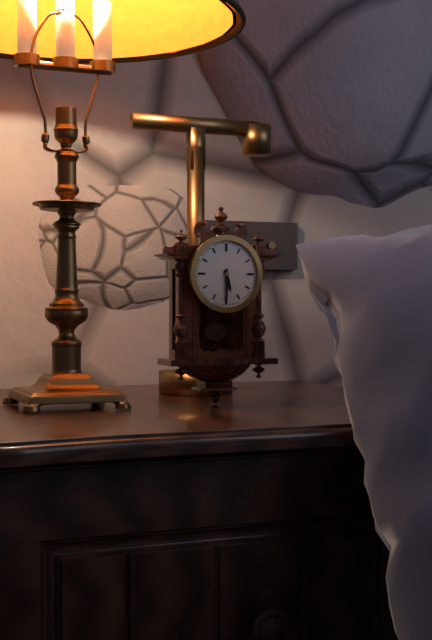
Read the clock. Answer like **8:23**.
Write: **5:30**
